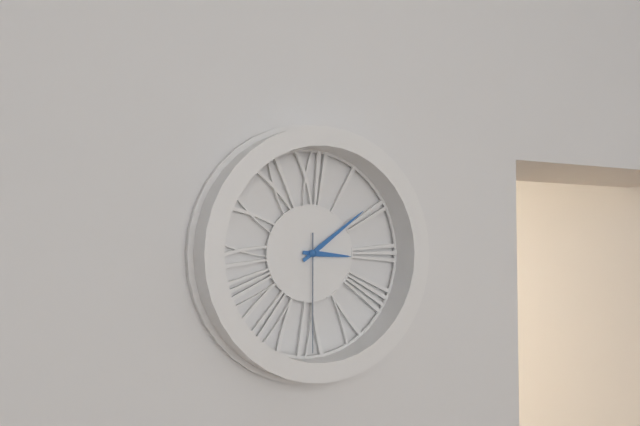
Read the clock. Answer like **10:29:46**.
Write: **3:09:30**
